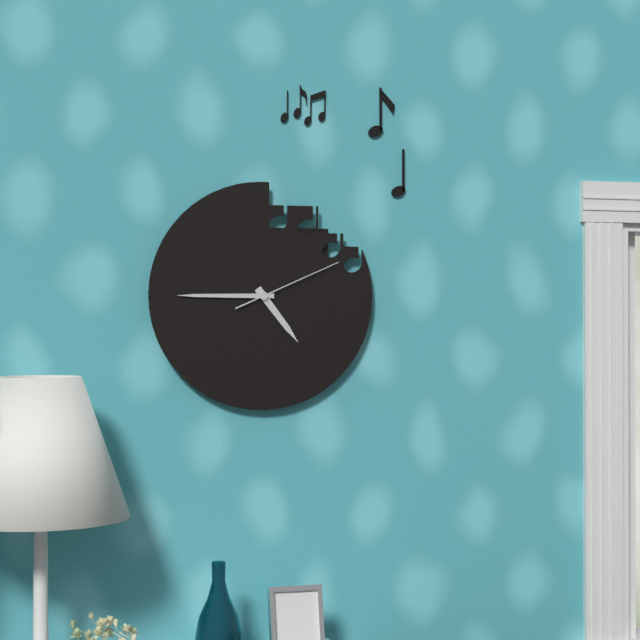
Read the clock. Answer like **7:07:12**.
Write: **4:45:11**
